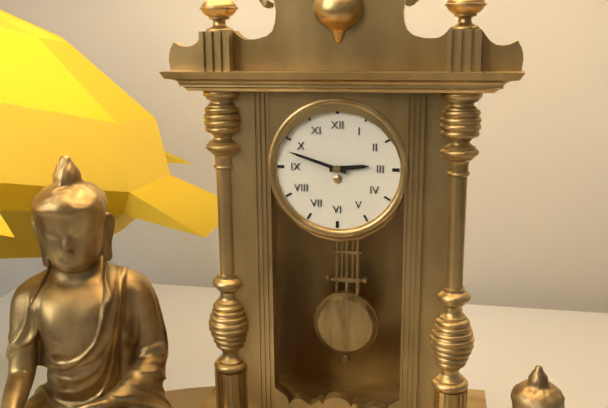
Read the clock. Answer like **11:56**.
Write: **2:48**
